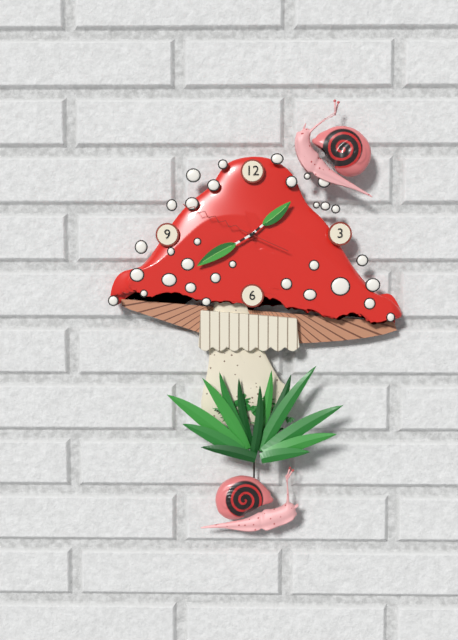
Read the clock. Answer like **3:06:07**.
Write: **1:40:49**
